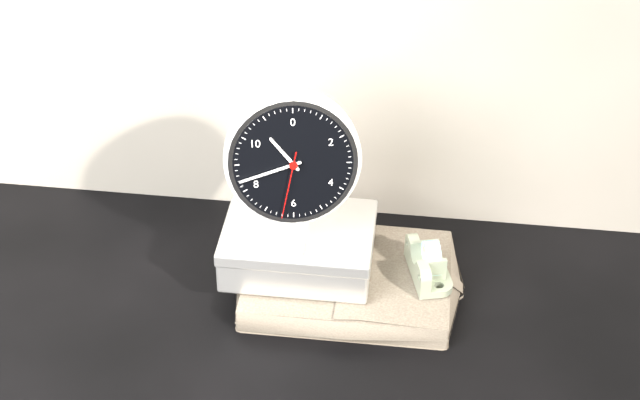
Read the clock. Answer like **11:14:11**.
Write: **10:42:32**
